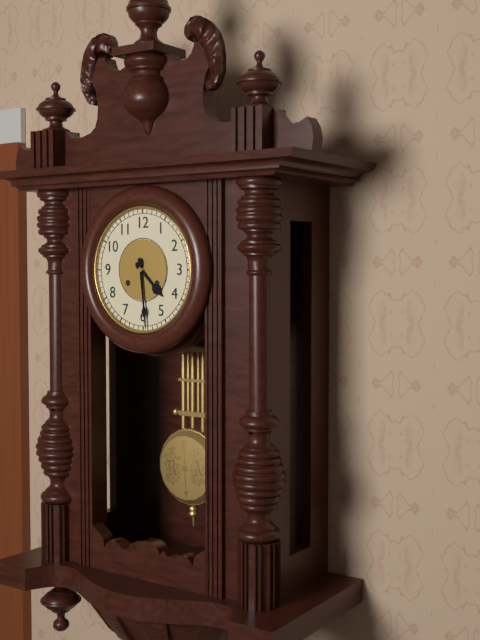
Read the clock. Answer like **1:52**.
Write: **4:29**
